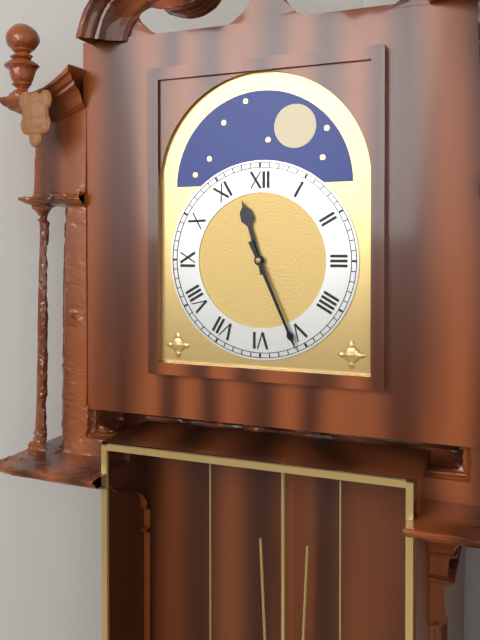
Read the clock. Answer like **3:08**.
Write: **11:26**
